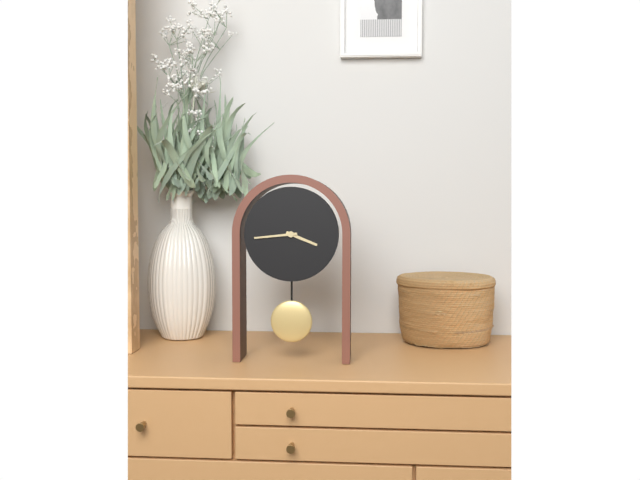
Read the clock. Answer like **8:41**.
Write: **3:44**
